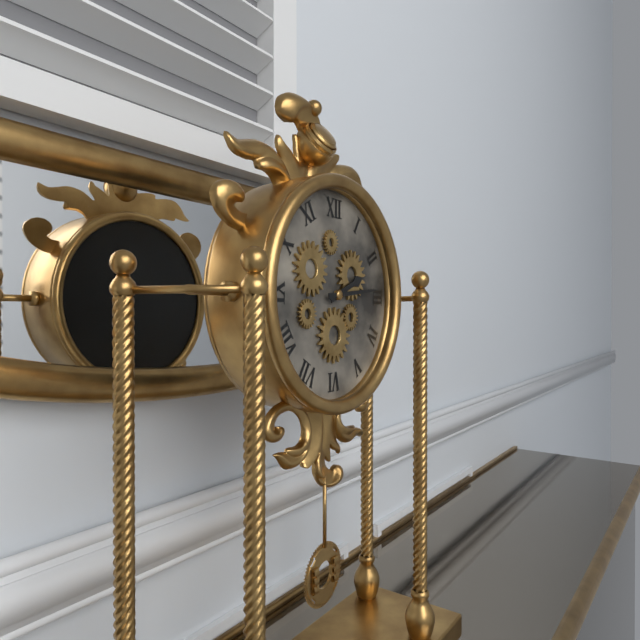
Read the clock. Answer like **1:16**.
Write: **2:14**
